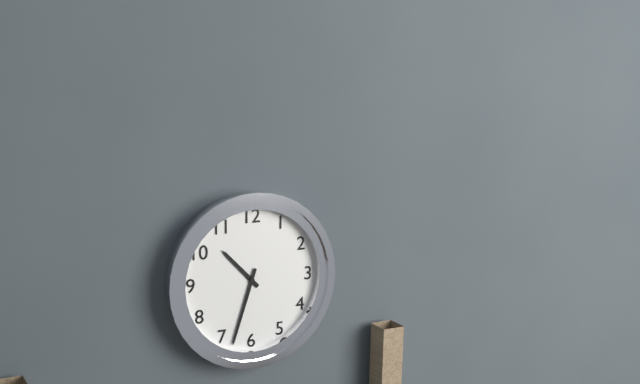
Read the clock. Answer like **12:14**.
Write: **10:33**
